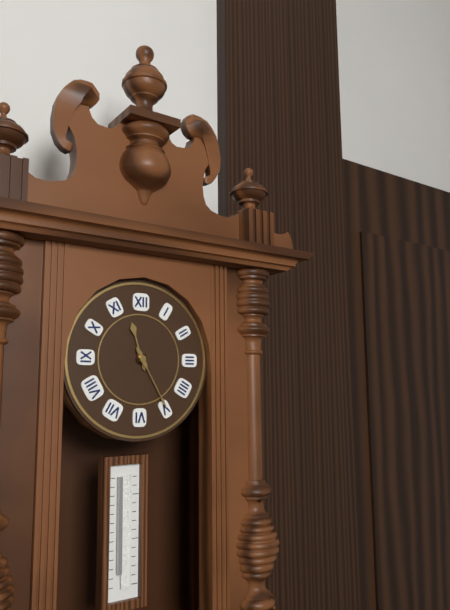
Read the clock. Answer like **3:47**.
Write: **11:25**
